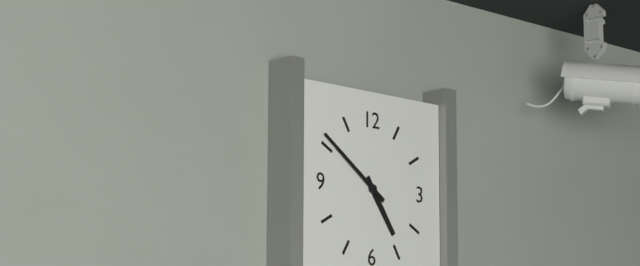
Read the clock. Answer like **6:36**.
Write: **4:51**
